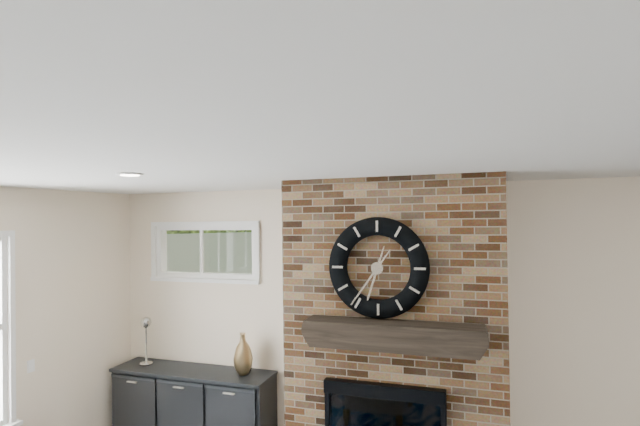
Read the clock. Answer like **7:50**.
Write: **6:36**
